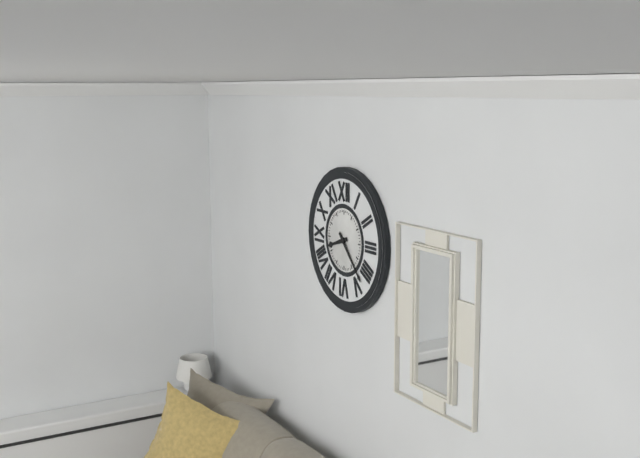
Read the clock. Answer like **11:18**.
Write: **8:23**
